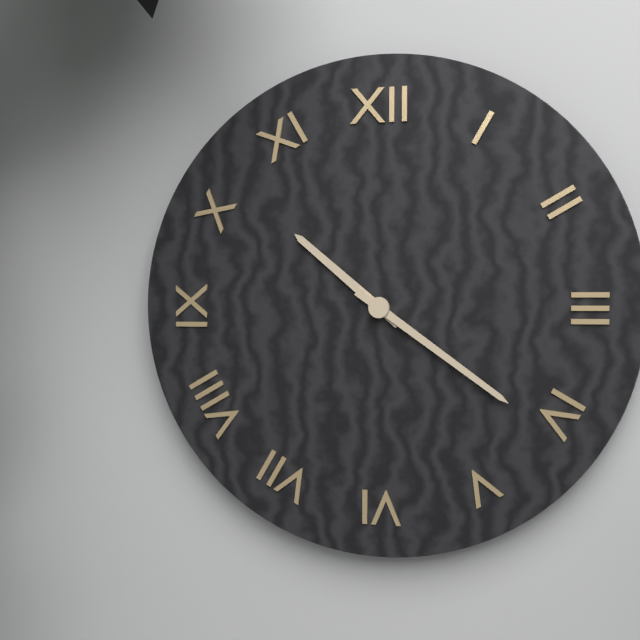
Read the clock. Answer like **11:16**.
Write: **10:21**
